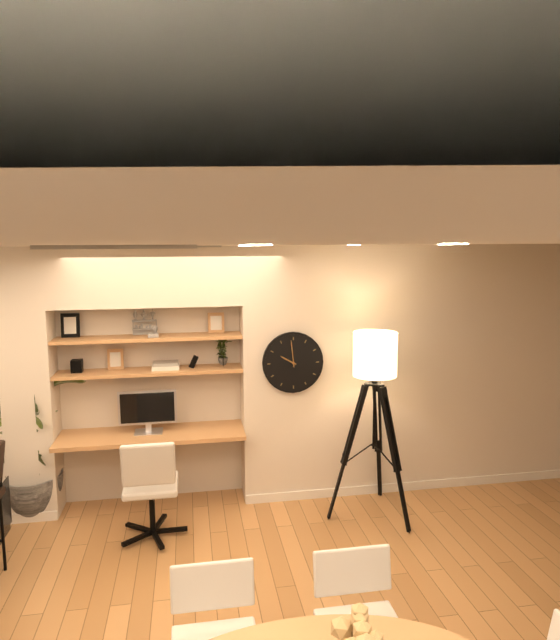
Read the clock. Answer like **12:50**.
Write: **9:59**
